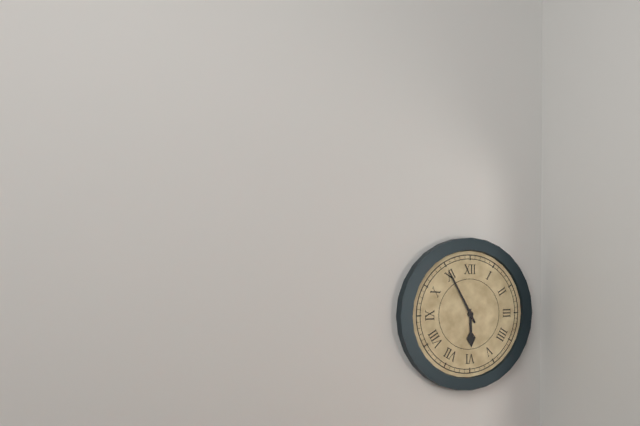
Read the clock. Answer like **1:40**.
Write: **5:55**
